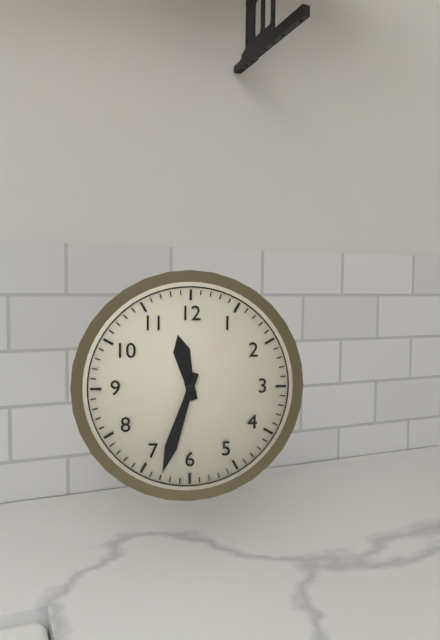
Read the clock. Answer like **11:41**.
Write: **11:33**
